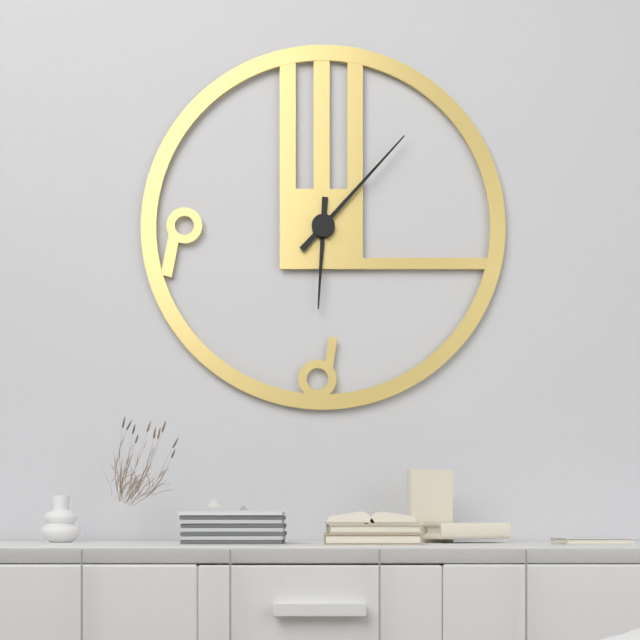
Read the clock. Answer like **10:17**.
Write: **6:07**
